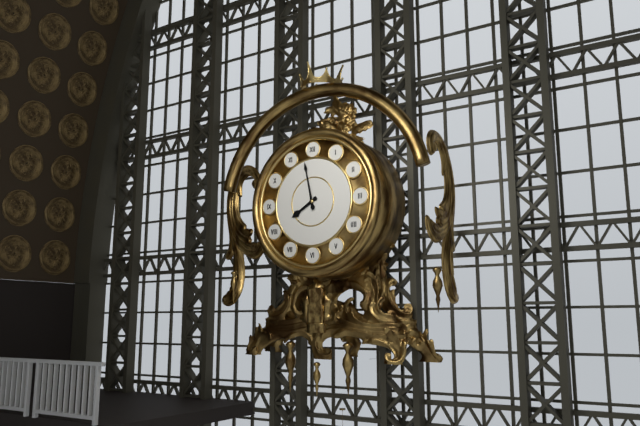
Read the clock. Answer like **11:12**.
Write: **7:58**
